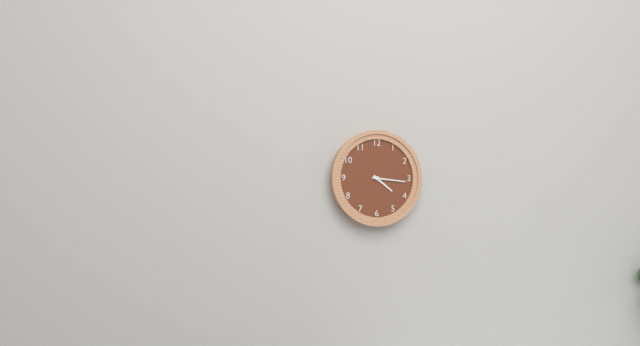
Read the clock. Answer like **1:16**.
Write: **4:16**
